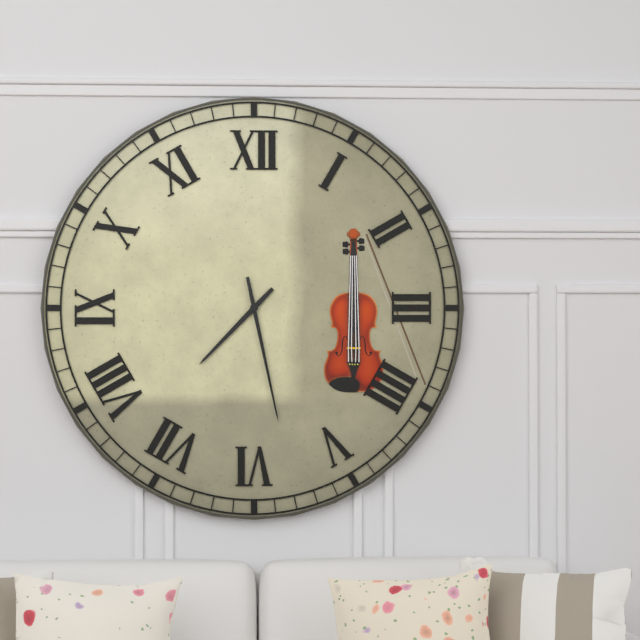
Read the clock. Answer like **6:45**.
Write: **7:28**
